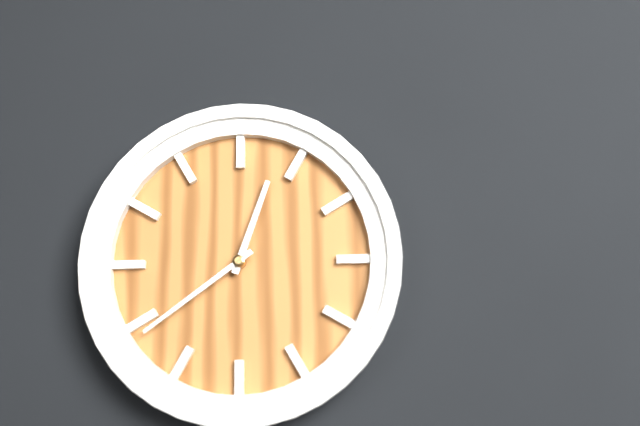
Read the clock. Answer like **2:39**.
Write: **12:39**
